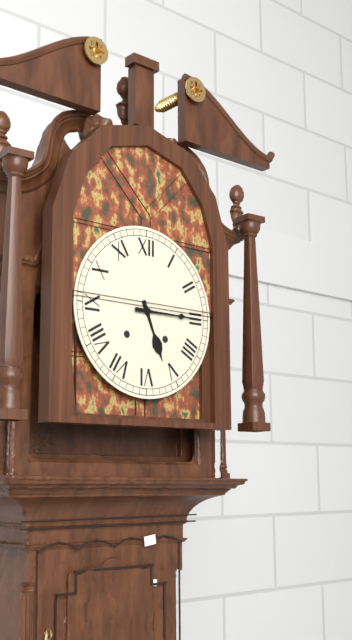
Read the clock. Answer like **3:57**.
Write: **5:15**
